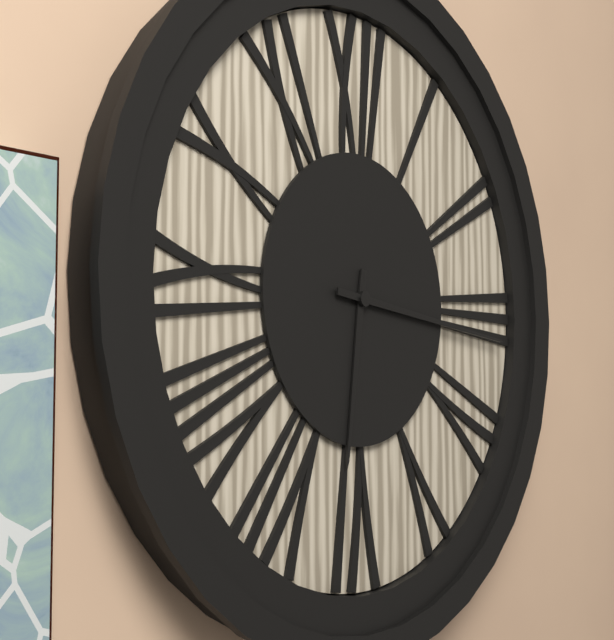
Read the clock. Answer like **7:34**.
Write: **6:16**
